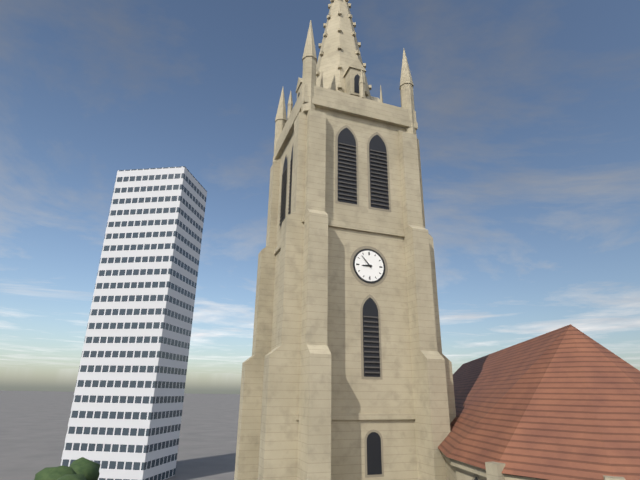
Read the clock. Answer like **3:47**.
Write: **8:53**
